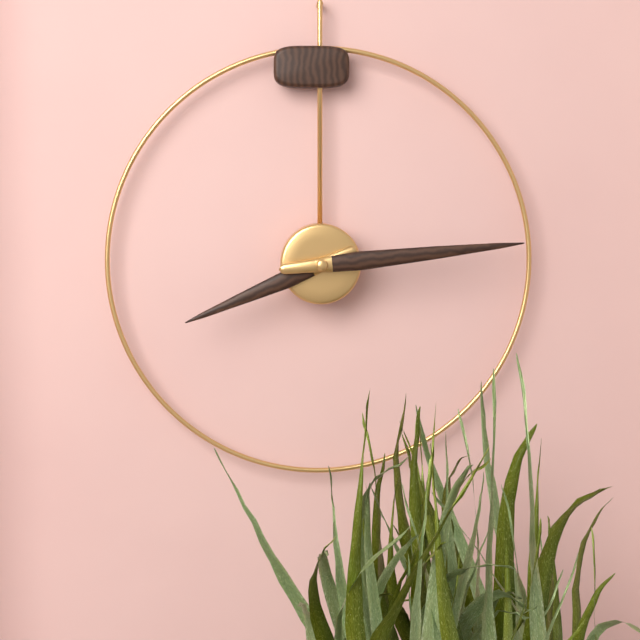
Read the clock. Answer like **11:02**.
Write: **8:14**
